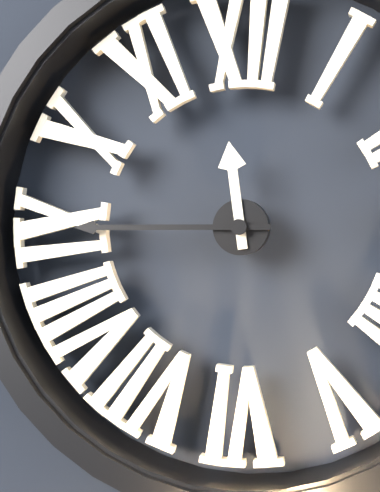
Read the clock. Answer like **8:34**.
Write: **11:45**
